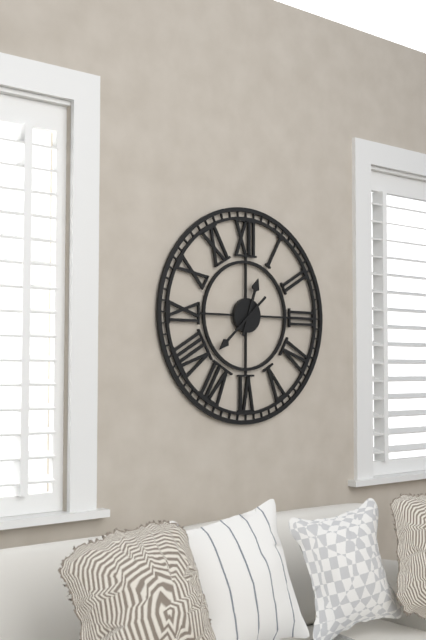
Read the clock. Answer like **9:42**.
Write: **12:38**
